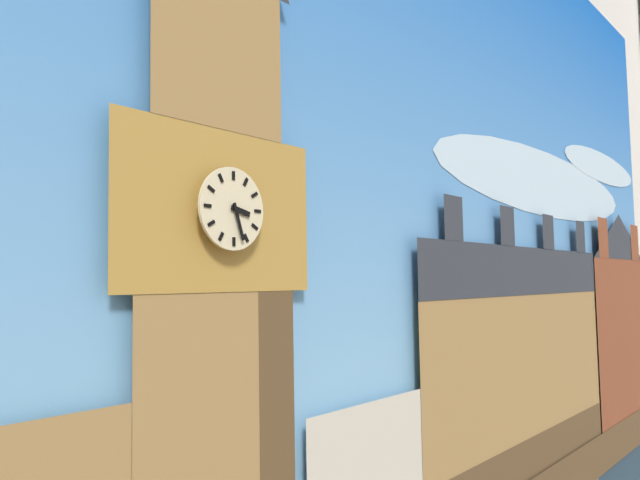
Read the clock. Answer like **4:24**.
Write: **3:27**
